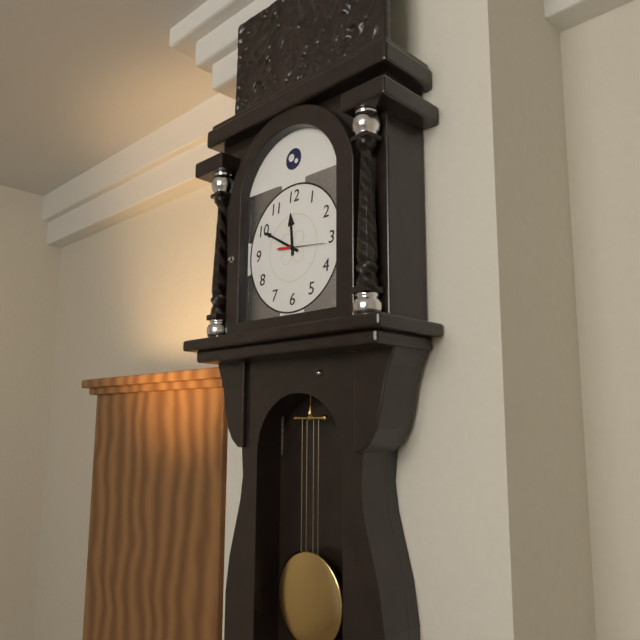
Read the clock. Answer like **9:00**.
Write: **11:50**
